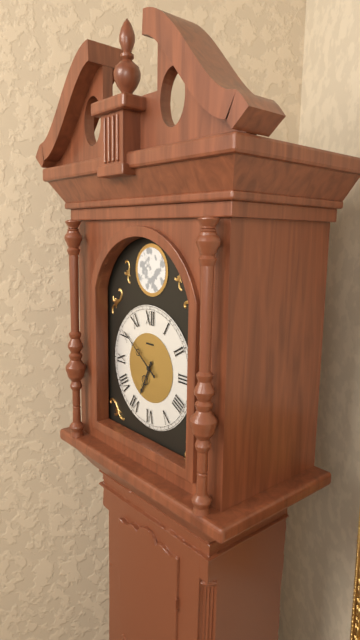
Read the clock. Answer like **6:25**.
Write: **6:51**
